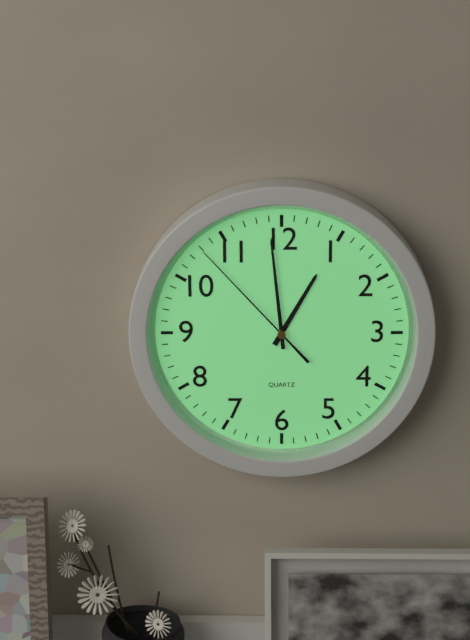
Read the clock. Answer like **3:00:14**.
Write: **12:59:53**
